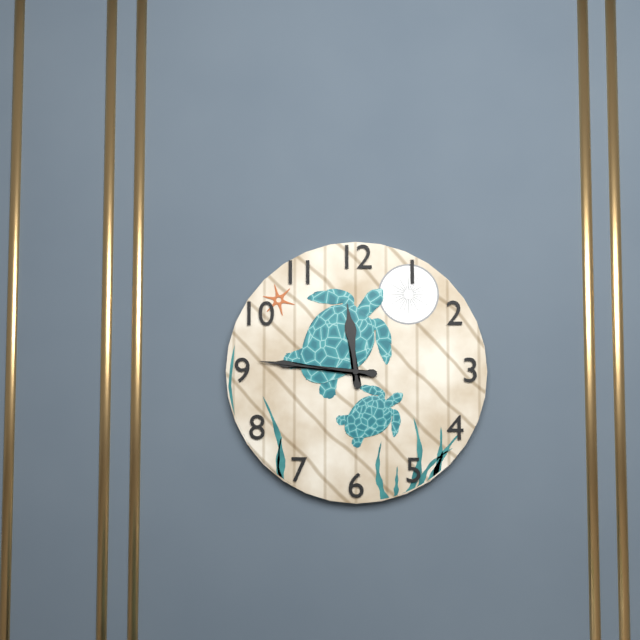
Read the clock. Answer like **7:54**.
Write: **11:46**
